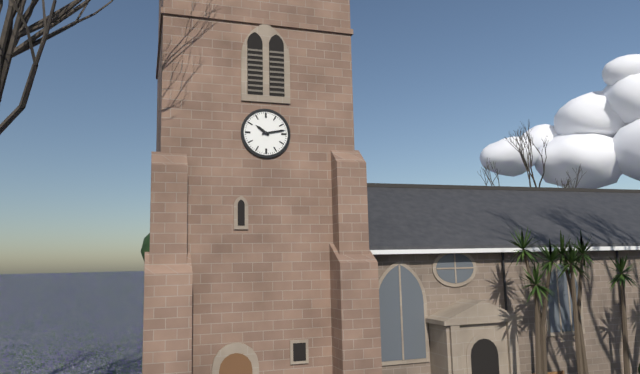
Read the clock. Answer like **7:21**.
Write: **10:13**
